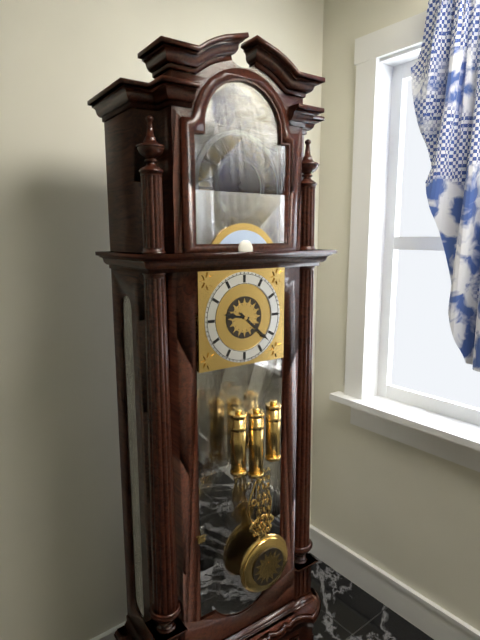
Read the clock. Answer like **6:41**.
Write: **9:22**
